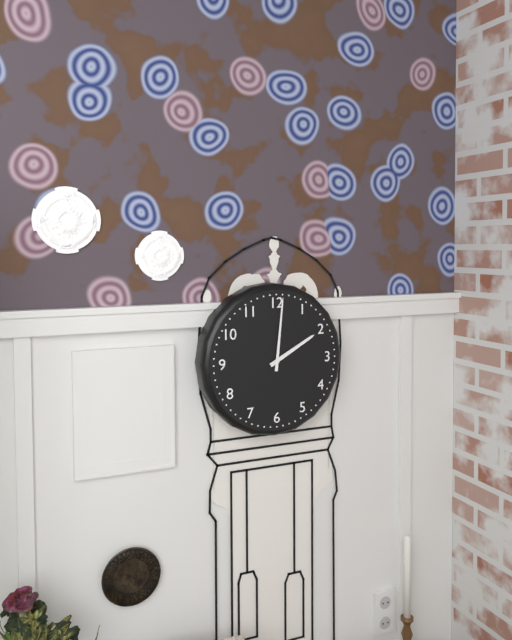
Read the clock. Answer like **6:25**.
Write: **2:01**
